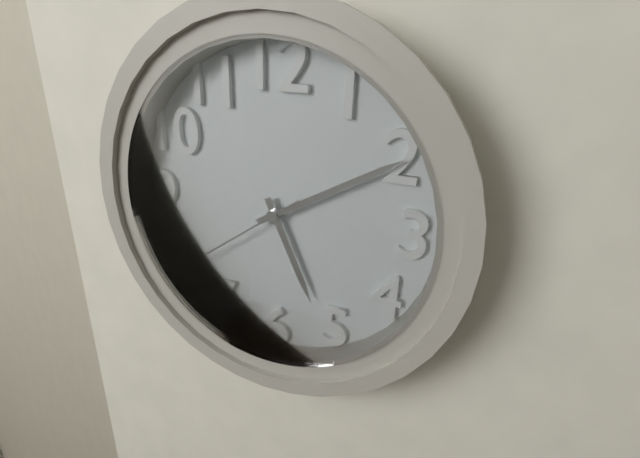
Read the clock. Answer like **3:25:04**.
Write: **5:10:39**
